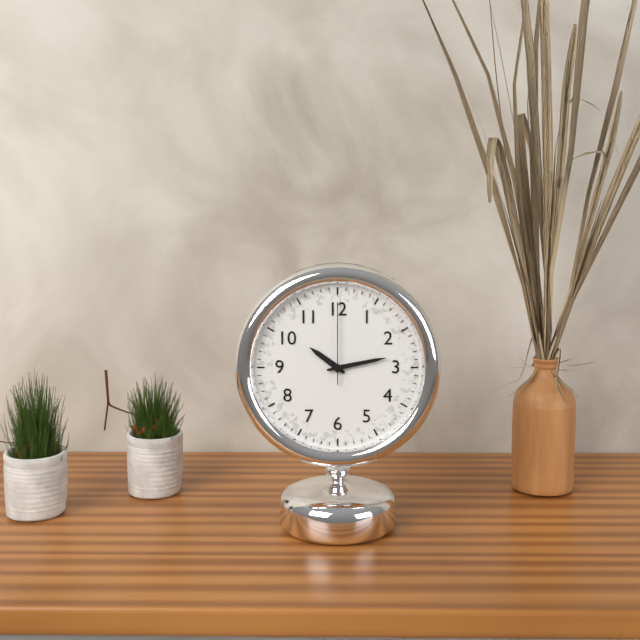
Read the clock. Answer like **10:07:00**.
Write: **10:13:00**
